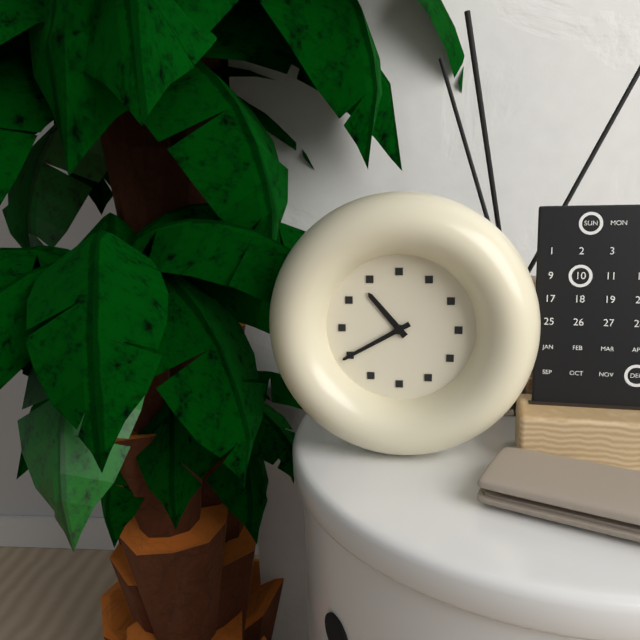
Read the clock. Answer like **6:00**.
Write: **10:40**
